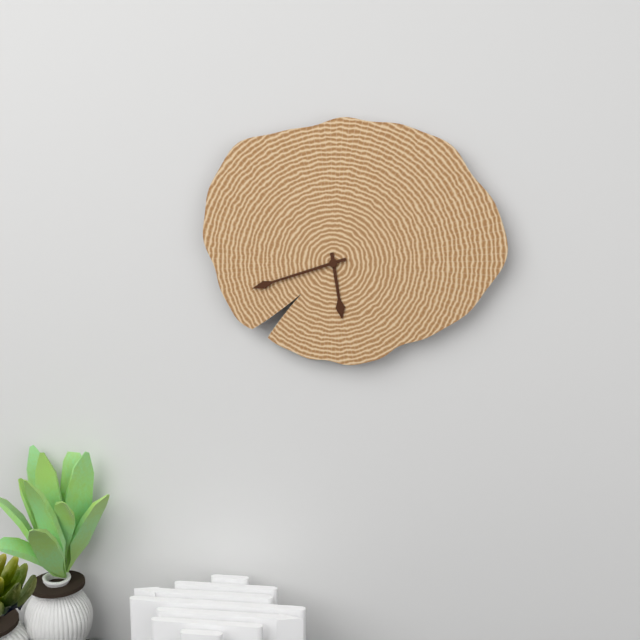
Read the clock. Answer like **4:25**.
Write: **5:42**
